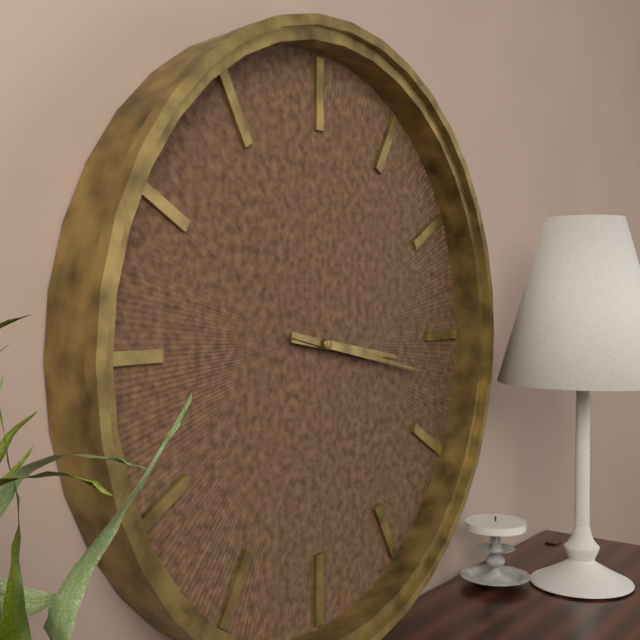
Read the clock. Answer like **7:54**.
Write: **3:17**
